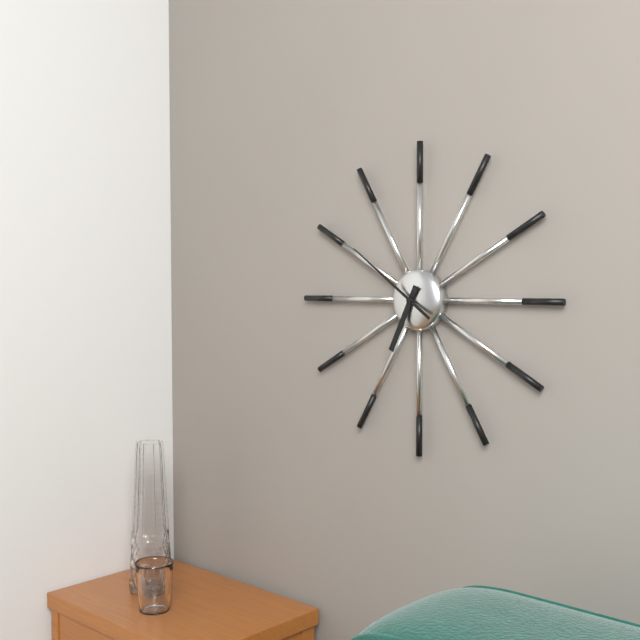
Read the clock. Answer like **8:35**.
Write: **6:51**
